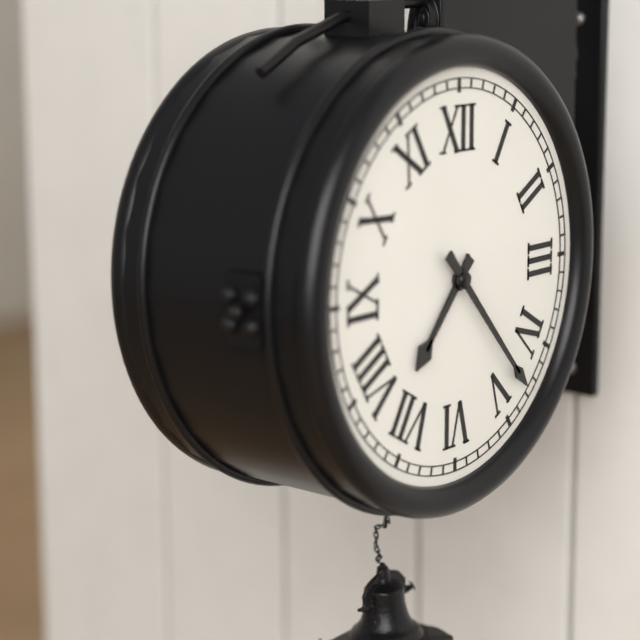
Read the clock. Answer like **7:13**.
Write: **7:23**
